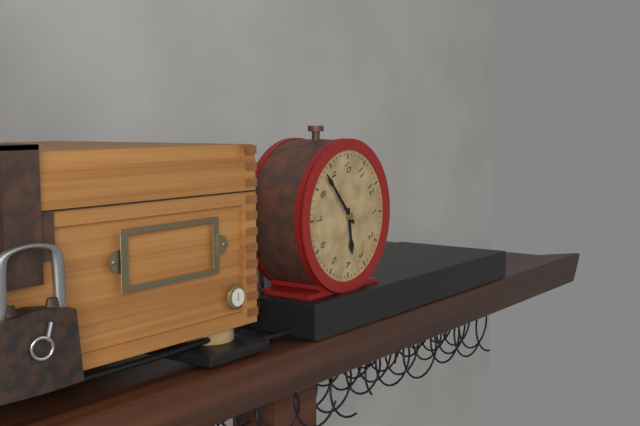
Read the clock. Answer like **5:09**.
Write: **3:43**
